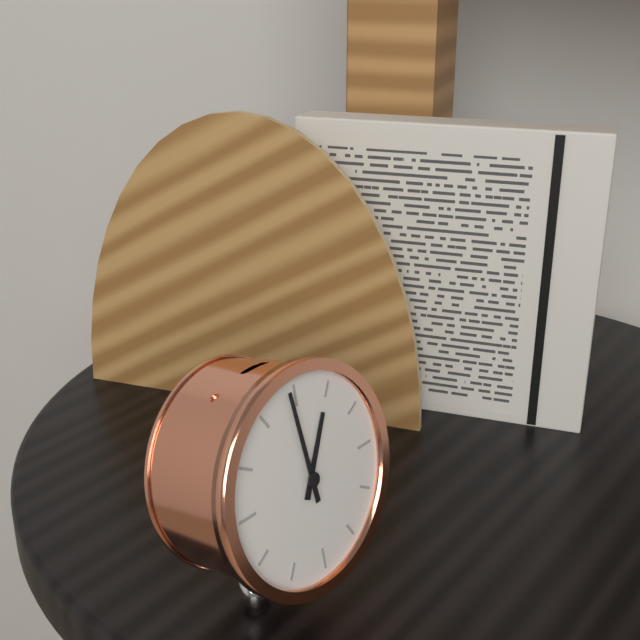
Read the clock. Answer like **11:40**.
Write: **12:59**
